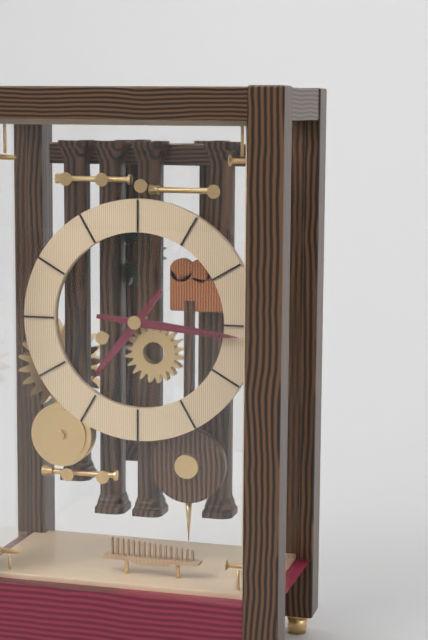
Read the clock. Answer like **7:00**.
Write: **7:16**
